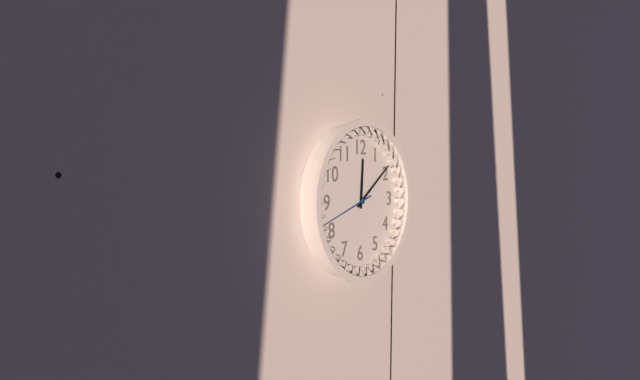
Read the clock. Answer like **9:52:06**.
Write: **12:09:42**
